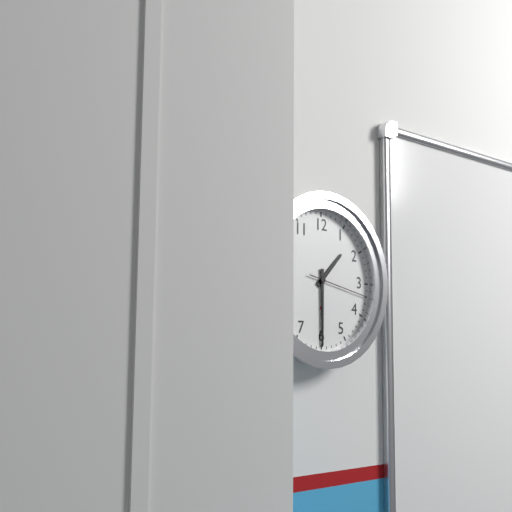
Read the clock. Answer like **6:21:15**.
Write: **1:30:17**
